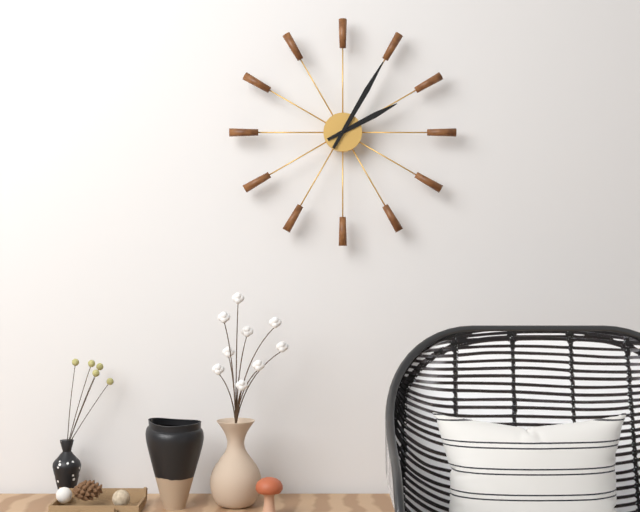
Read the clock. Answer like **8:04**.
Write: **2:05**
